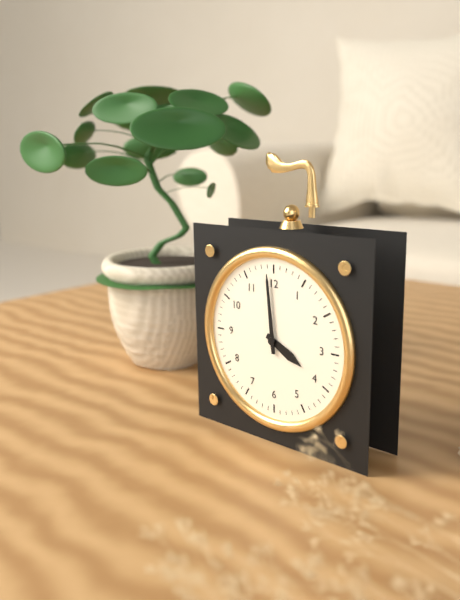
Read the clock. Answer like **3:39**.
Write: **3:59**
